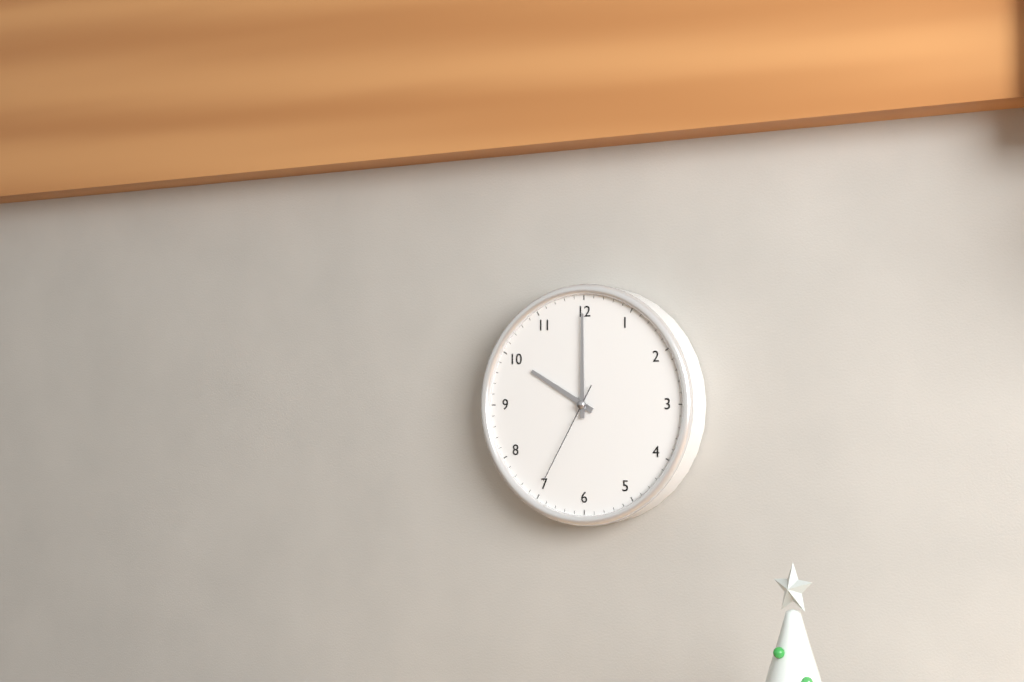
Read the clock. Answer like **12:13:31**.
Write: **10:00:35**
